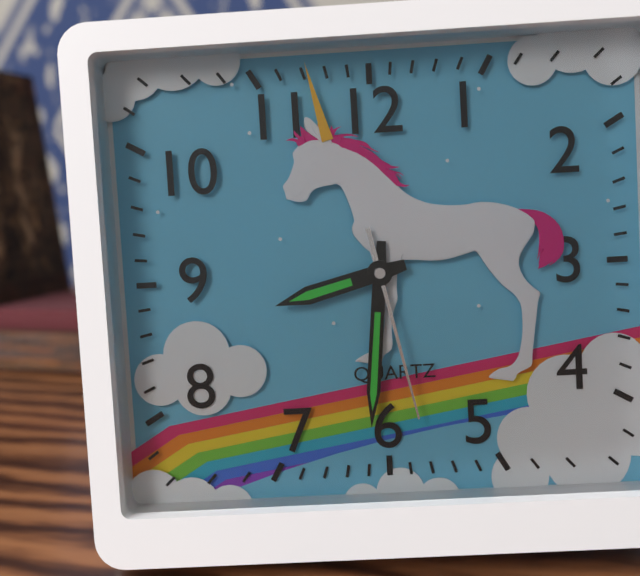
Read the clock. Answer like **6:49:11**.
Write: **8:31:28**
